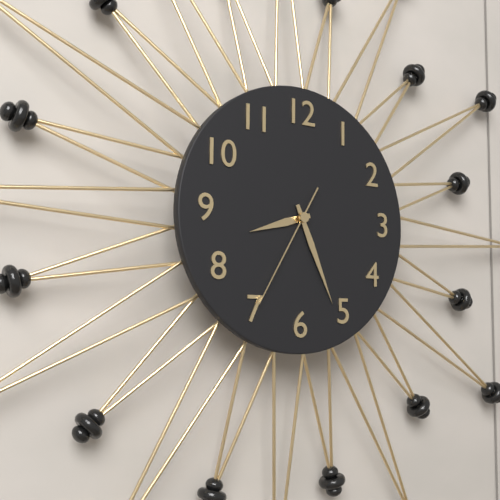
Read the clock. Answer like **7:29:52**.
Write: **8:26:35**
